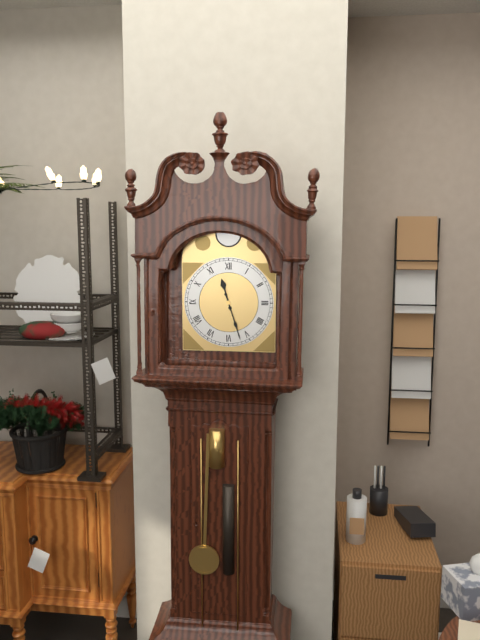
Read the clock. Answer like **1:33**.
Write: **11:27**
